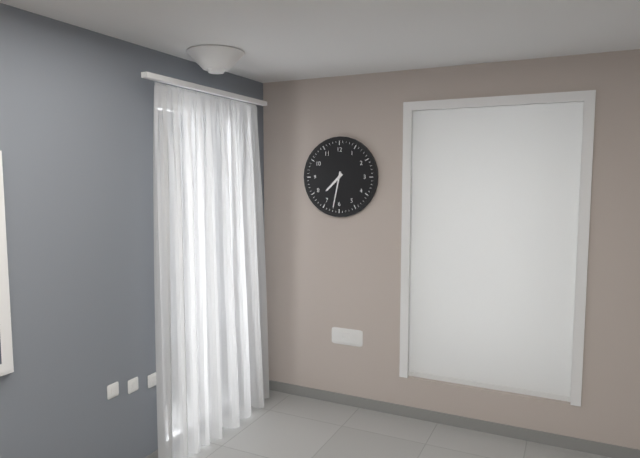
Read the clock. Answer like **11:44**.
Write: **7:32**
